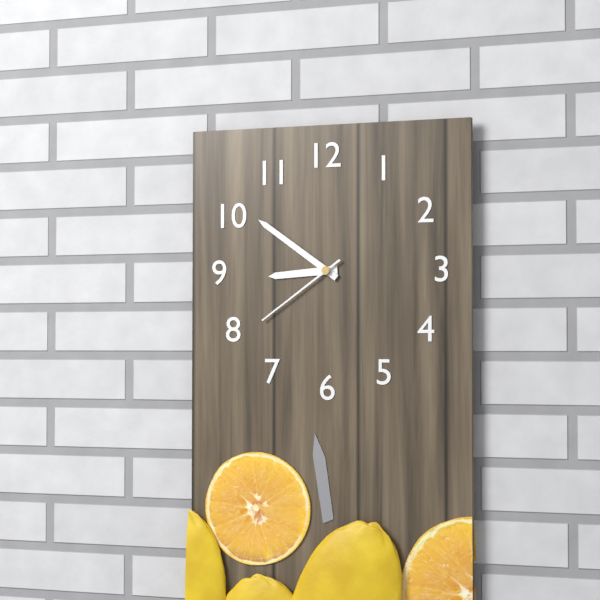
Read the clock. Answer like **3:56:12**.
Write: **8:51:39**
